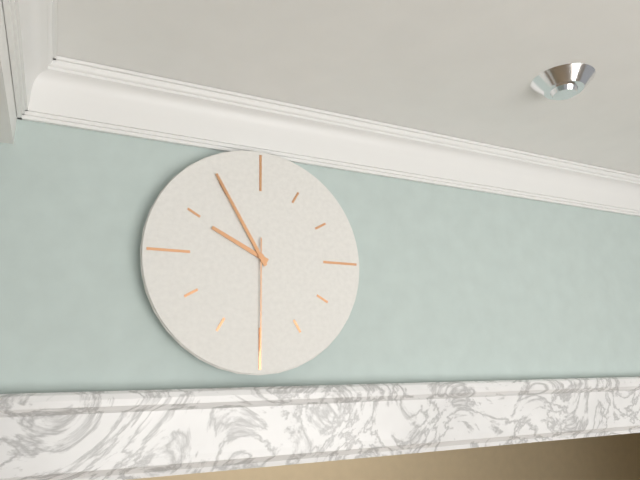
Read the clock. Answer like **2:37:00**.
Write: **9:55:30**
